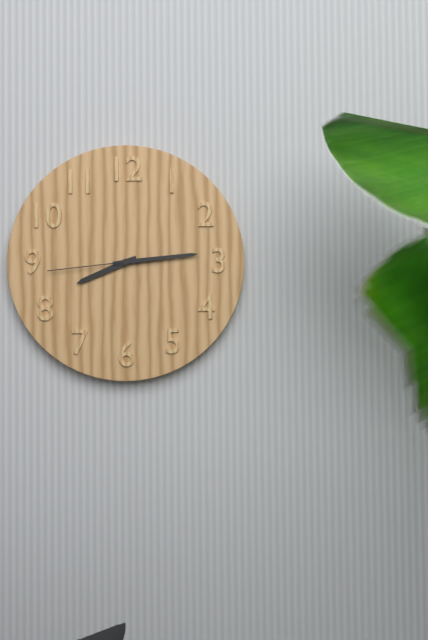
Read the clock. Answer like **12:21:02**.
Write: **8:14:44**
